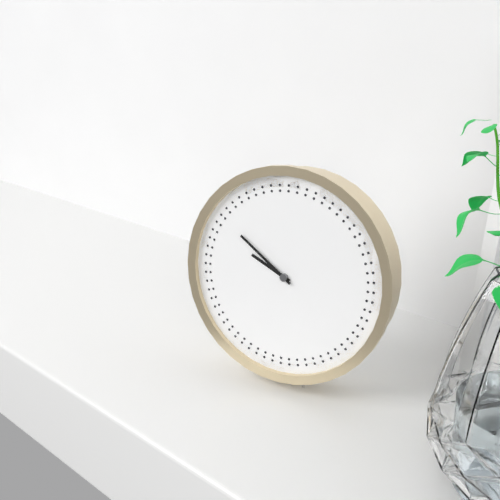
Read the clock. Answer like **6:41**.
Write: **9:51**
